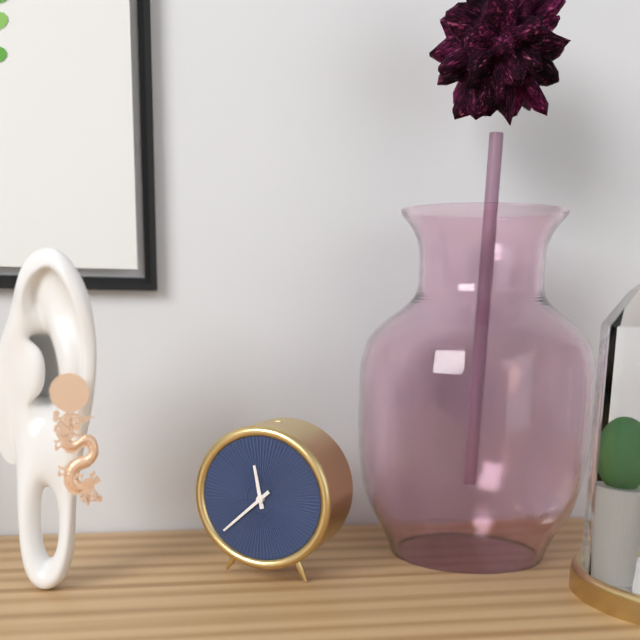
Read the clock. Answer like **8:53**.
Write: **11:38**
